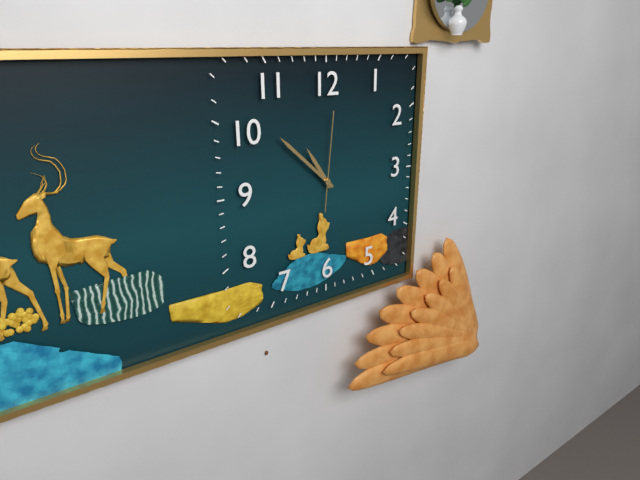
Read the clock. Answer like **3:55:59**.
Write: **10:52:01**
